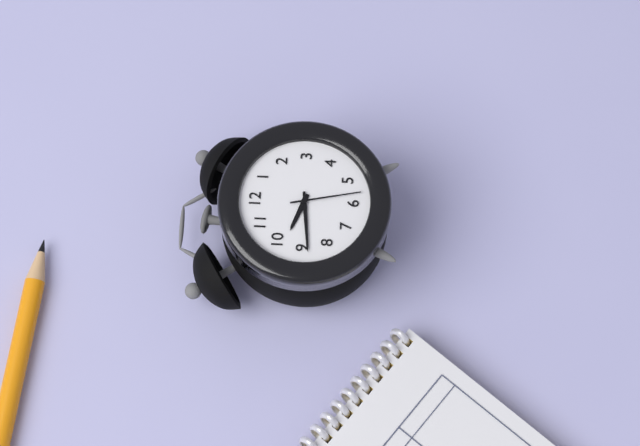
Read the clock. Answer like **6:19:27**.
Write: **9:44:28**
